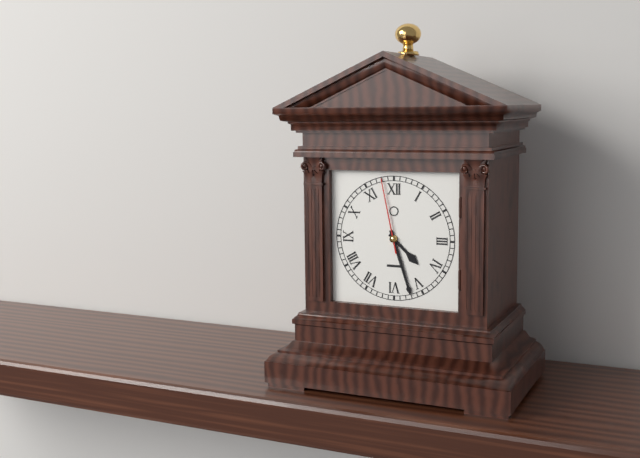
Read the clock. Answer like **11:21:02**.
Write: **4:27:58**
